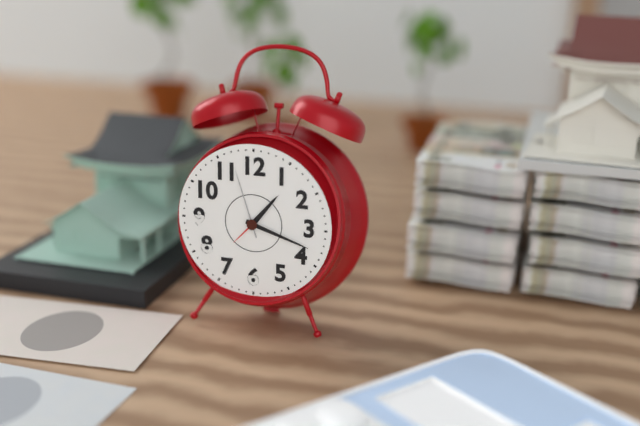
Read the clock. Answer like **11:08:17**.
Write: **1:18:57**
